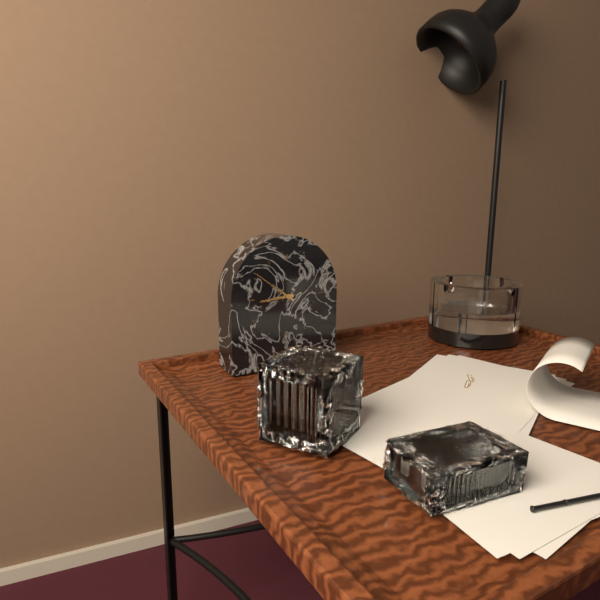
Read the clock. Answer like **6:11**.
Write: **8:51**
